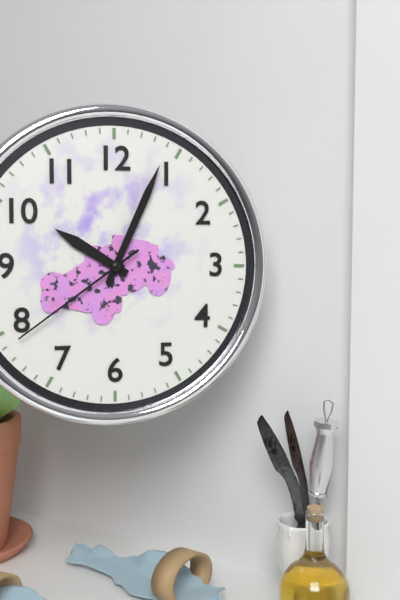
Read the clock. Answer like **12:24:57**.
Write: **10:04:39**
